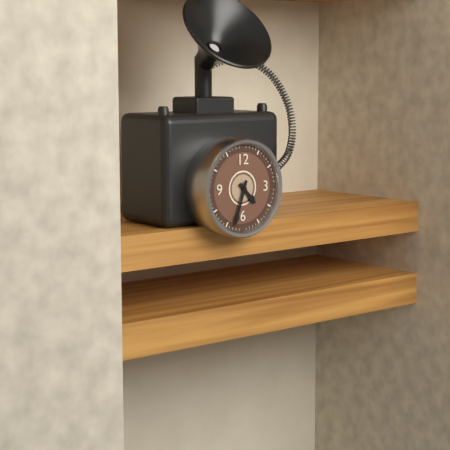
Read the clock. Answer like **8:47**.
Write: **4:33**
